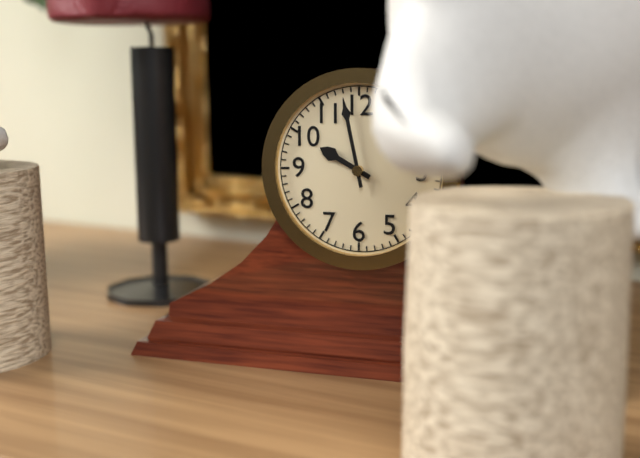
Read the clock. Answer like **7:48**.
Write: **9:58**
